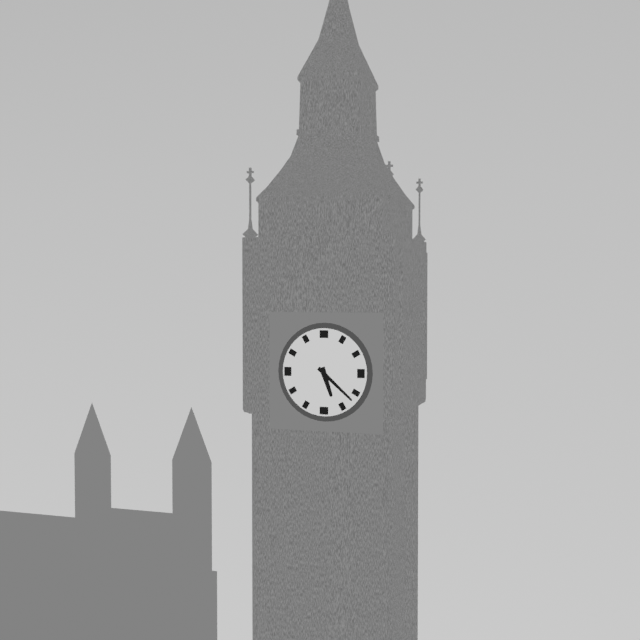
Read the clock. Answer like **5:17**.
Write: **5:22**
